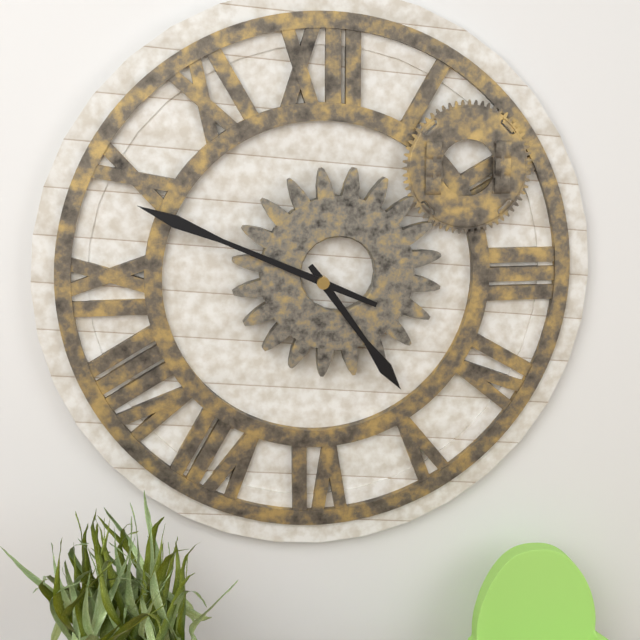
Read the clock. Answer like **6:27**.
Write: **4:49**
